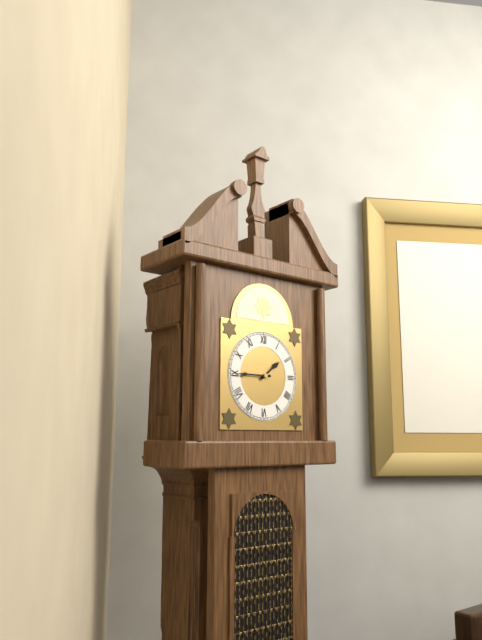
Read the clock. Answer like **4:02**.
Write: **1:45**
